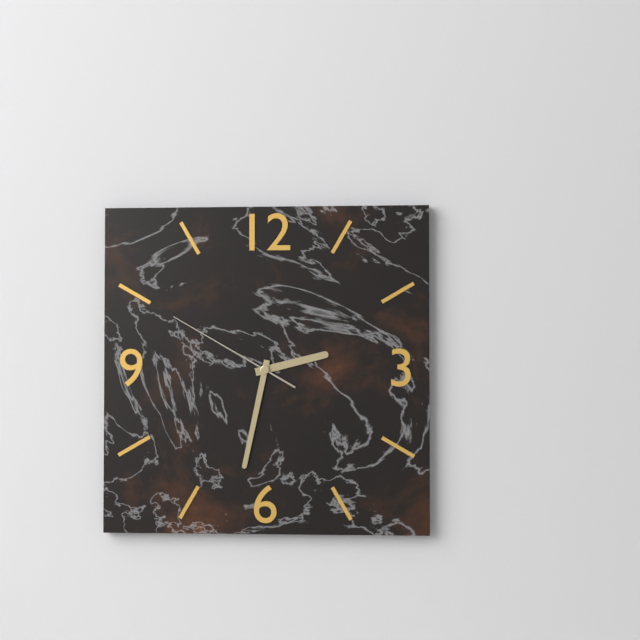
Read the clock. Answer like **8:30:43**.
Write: **2:32:50**
